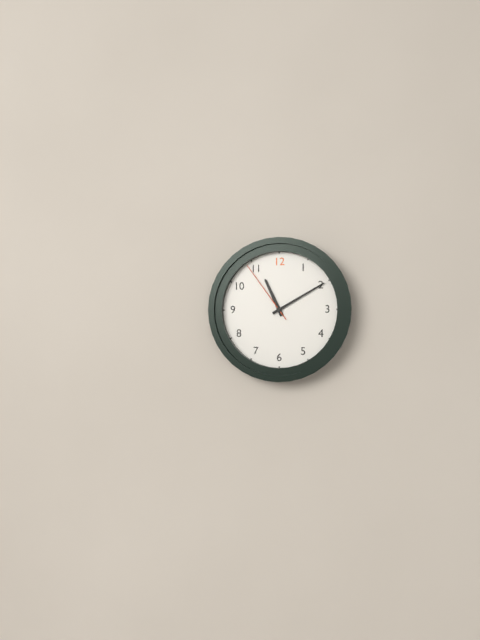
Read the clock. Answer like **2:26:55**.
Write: **11:10:54**
